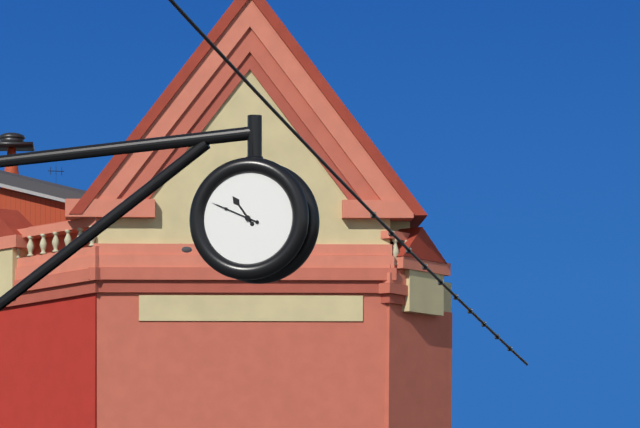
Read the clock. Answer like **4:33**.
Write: **10:49**
